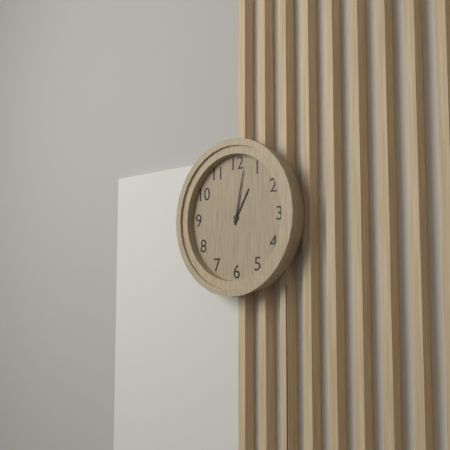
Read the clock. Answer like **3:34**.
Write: **1:02**
